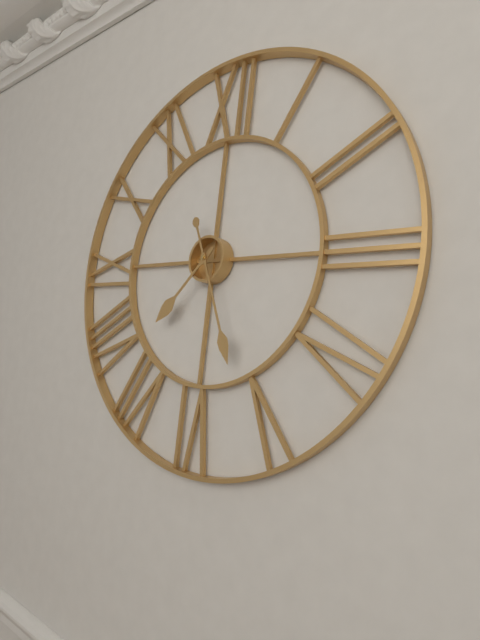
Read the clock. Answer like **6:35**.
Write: **7:26**
